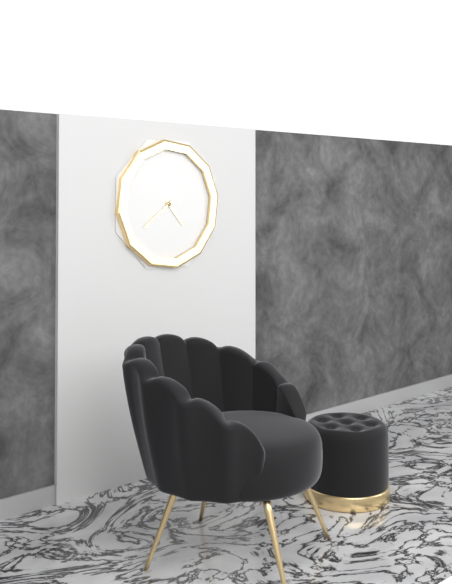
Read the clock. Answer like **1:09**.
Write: **4:39**
